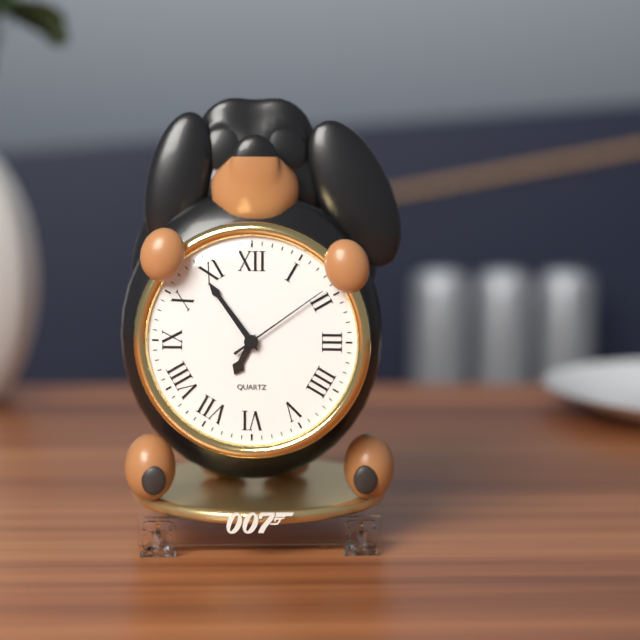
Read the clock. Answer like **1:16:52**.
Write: **6:54:09**
